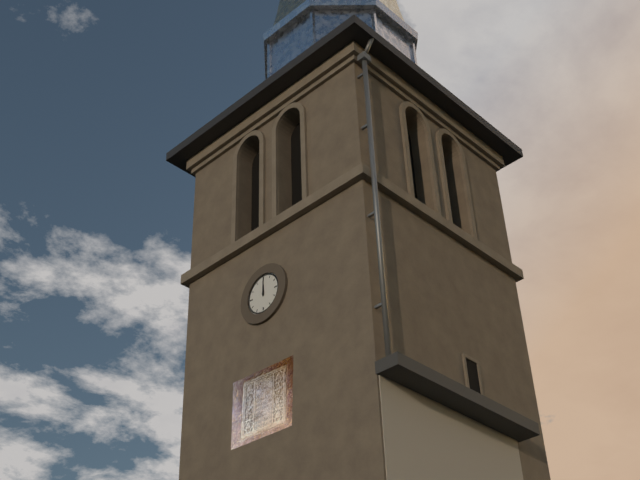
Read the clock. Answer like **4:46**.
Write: **12:00**
